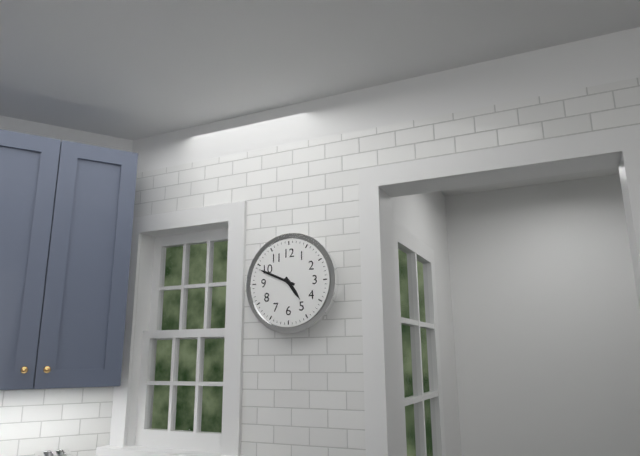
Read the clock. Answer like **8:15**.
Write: **4:49**
